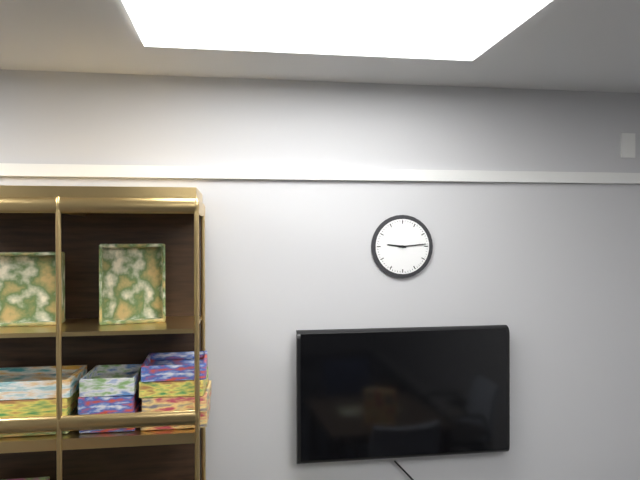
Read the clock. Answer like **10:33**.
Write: **9:14**
